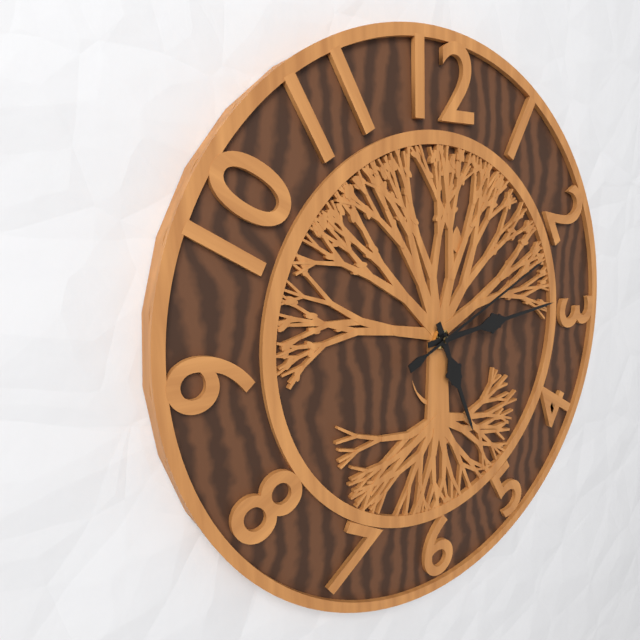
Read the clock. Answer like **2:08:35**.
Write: **5:14:11**
